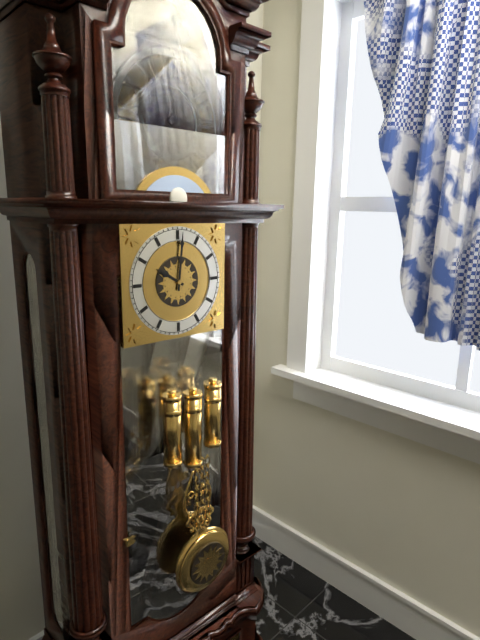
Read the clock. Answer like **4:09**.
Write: **10:01**
